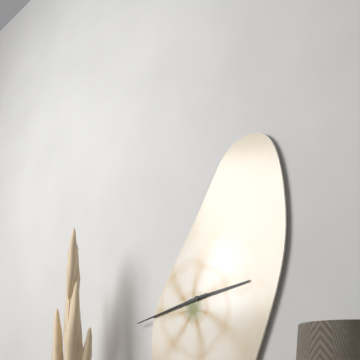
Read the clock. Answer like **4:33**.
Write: **2:43**
